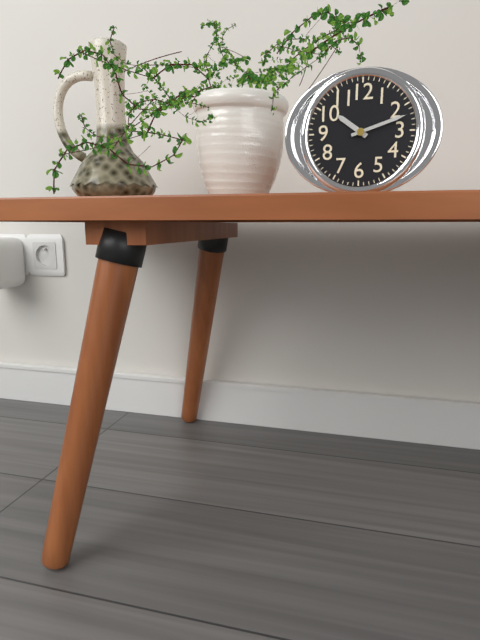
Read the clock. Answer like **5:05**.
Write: **10:12**
